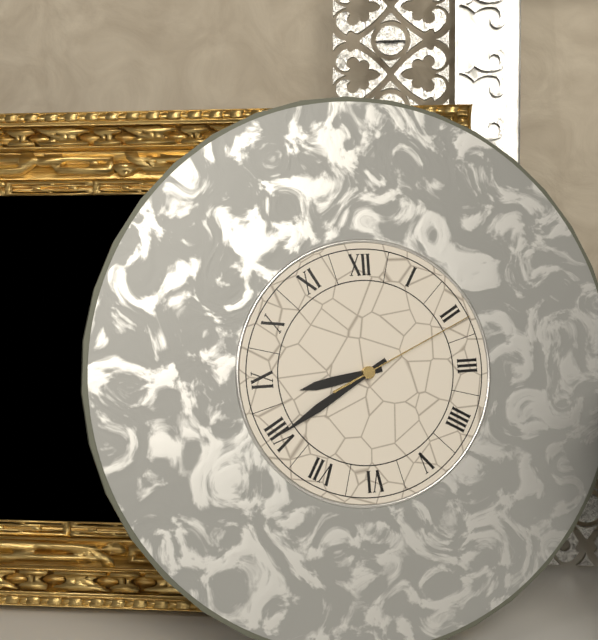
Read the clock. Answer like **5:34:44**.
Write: **8:40:11**
